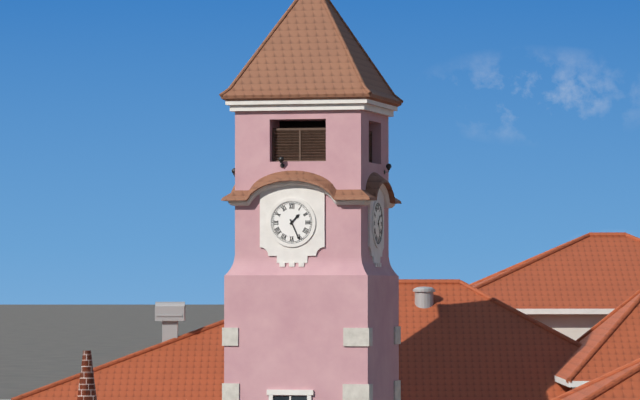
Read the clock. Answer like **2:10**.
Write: **1:26**
